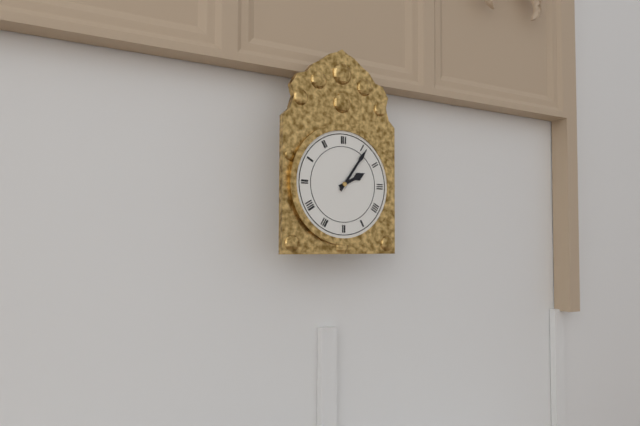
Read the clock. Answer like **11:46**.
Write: **2:06**
